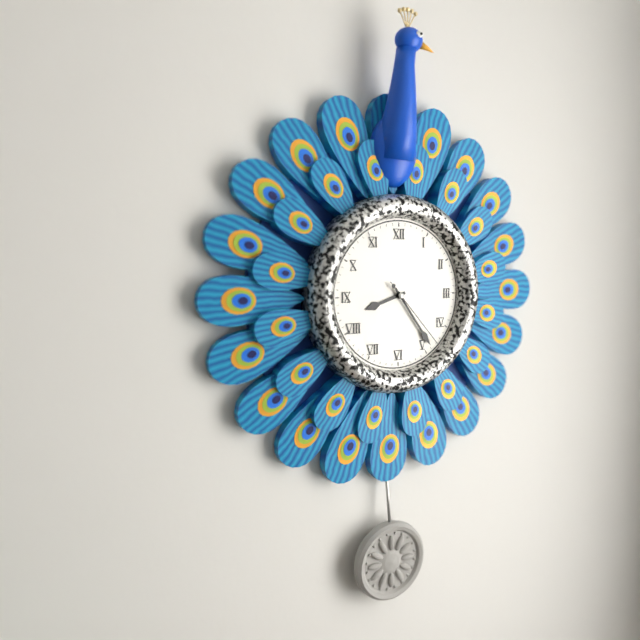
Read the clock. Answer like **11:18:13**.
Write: **8:24:23**
